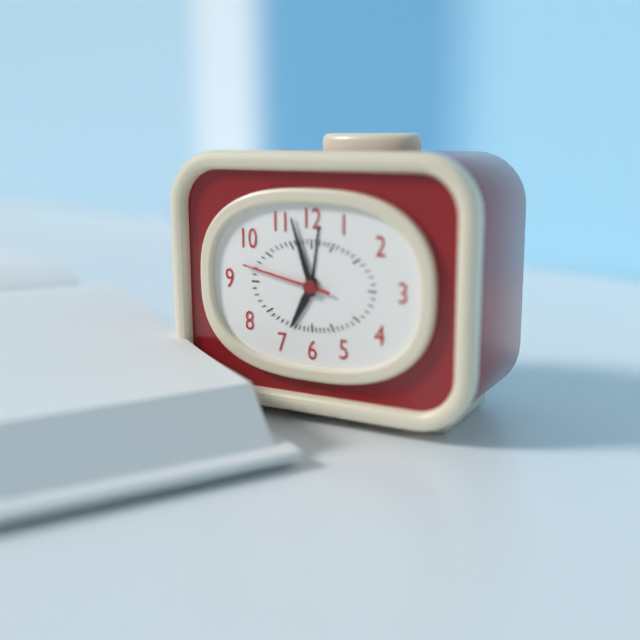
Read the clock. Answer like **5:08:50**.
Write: **6:57:47**
